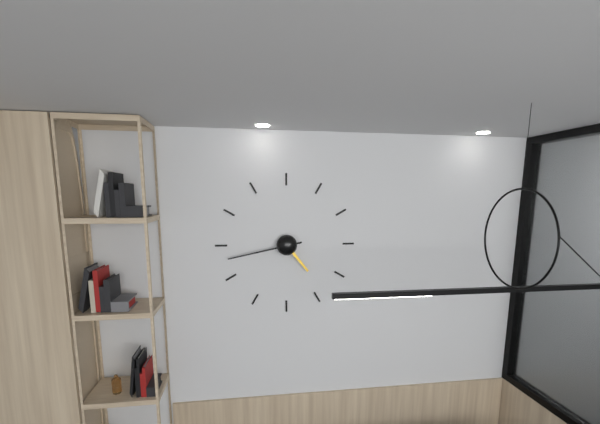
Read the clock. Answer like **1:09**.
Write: **4:43**
